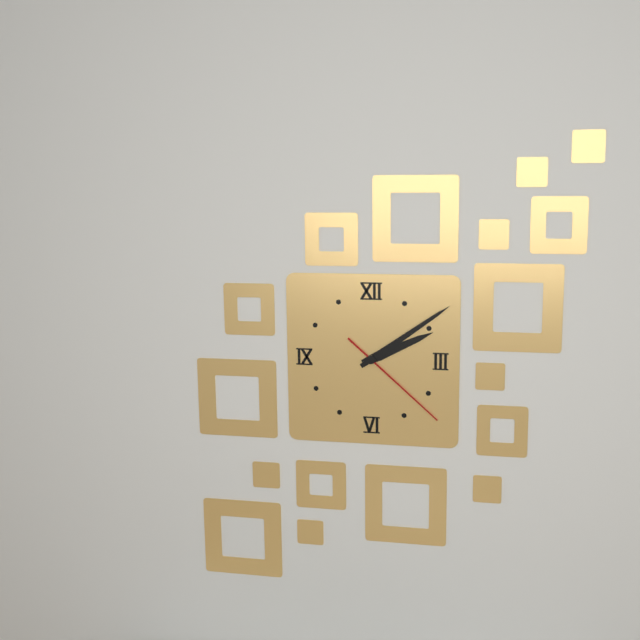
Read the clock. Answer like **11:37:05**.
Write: **2:09:22**
